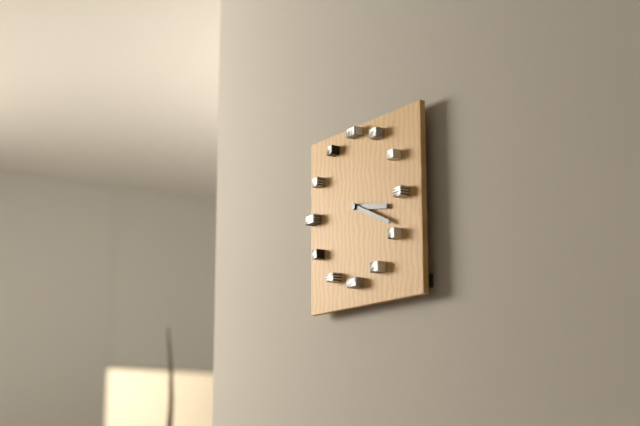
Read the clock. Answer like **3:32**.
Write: **3:19**
